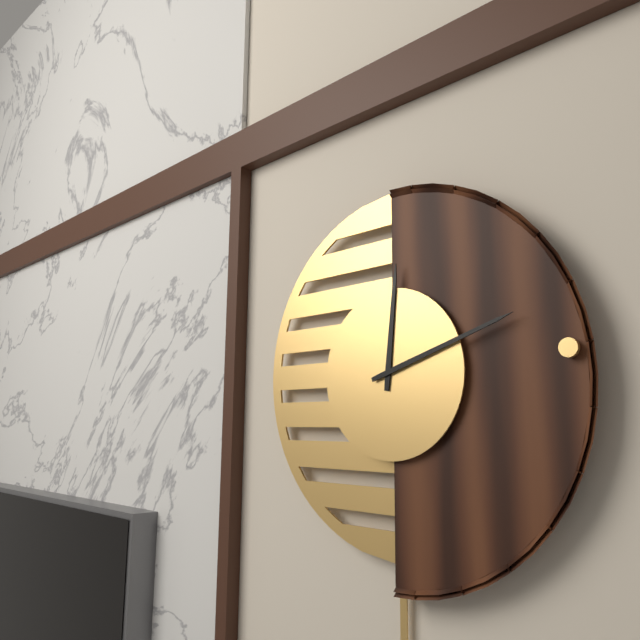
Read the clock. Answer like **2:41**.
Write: **12:12**
